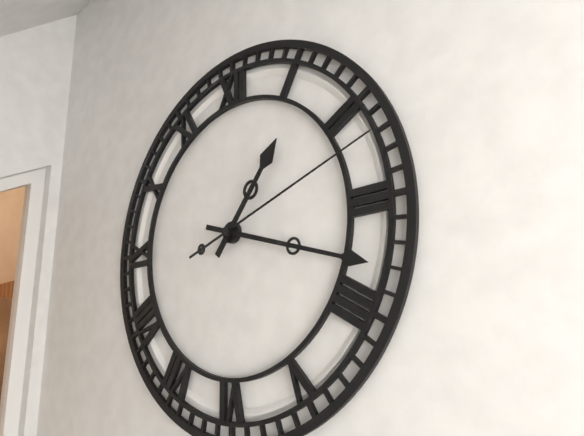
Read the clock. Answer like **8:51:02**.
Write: **1:18:12**
